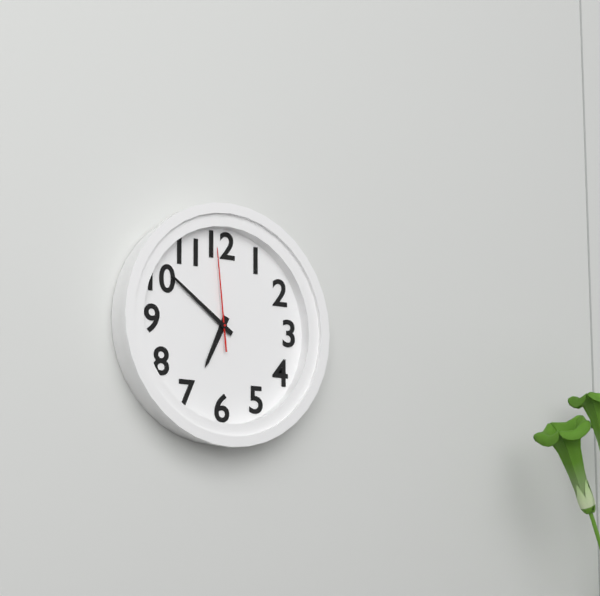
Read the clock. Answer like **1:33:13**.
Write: **6:51:59**
